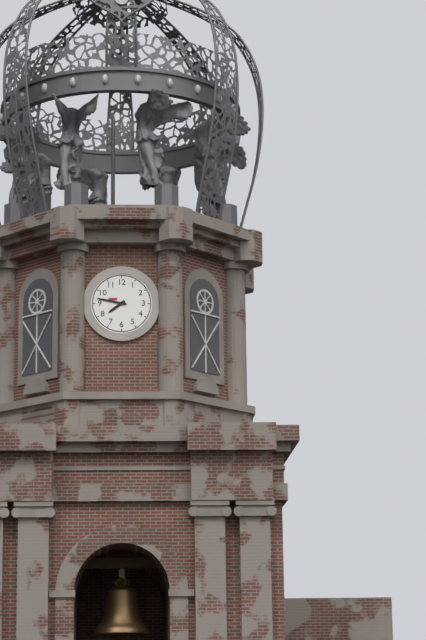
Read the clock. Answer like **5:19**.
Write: **7:47**
